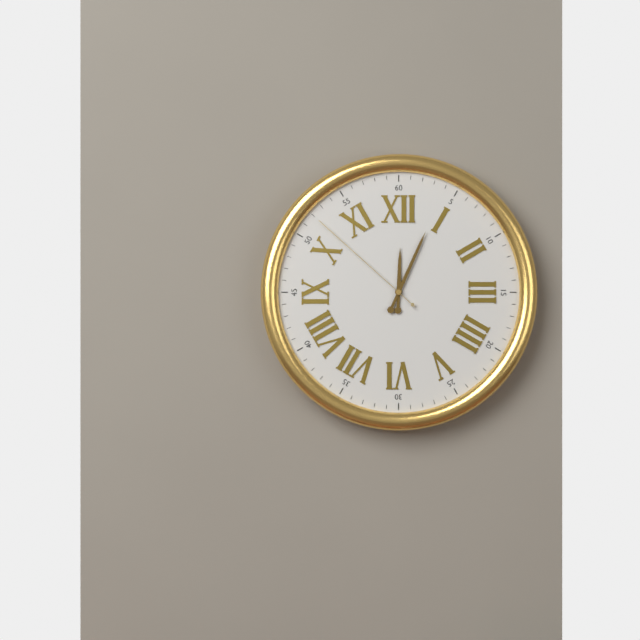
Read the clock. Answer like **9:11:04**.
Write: **12:04:52**
